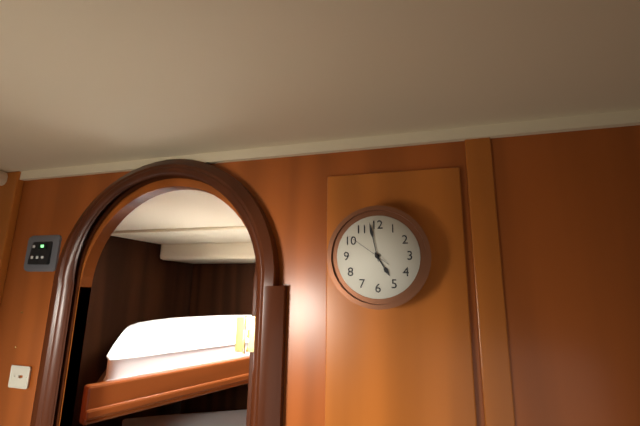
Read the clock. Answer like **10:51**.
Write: **4:58**
